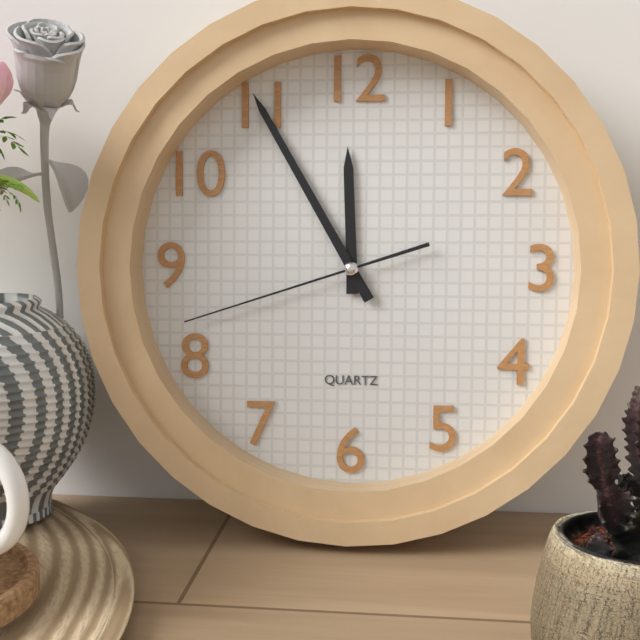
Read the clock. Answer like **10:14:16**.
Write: **11:55:42**
